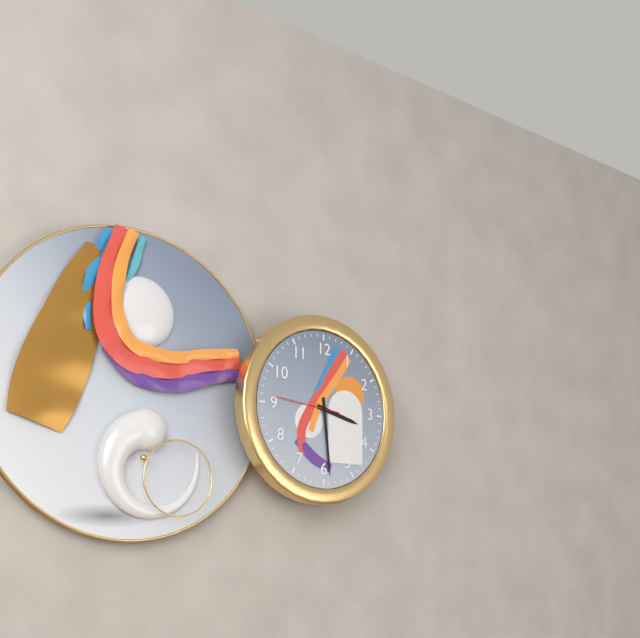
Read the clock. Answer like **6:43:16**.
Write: **3:29:46**
